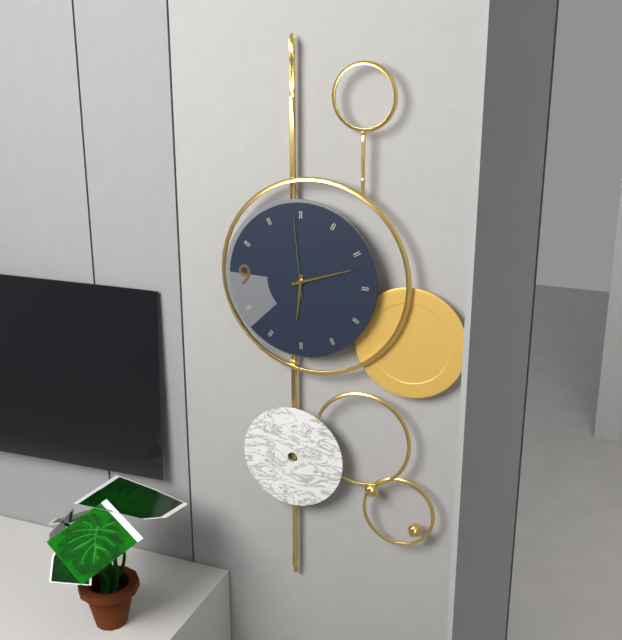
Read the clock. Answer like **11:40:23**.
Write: **6:12:59**
